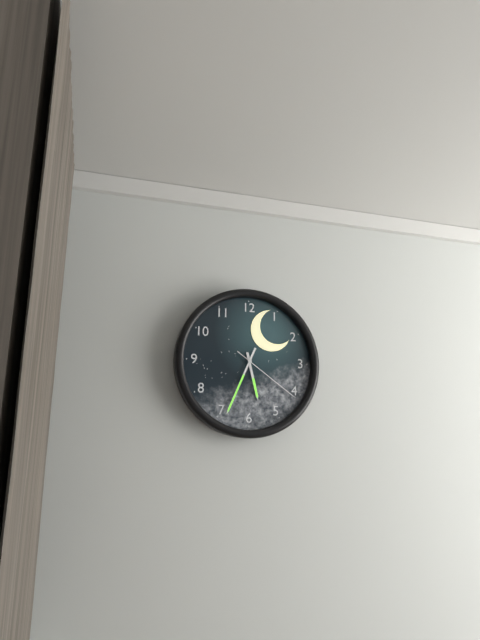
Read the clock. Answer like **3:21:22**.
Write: **5:34:21**
